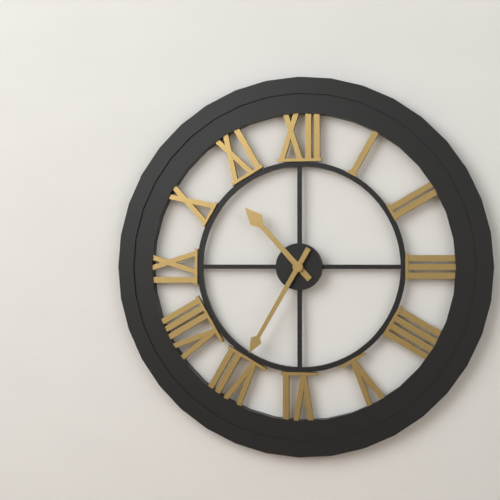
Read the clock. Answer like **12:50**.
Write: **10:35**
